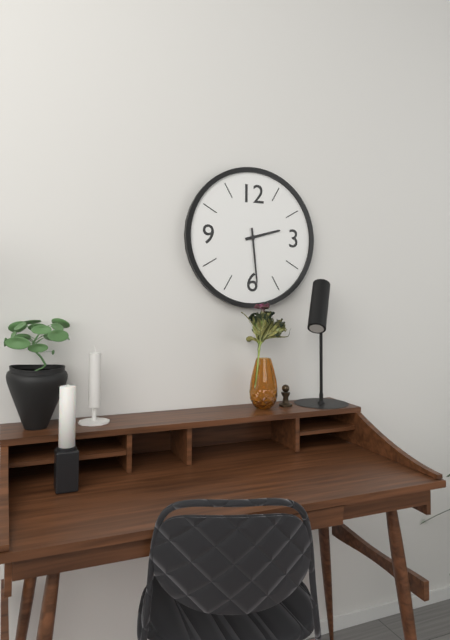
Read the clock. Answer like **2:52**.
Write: **2:29**
